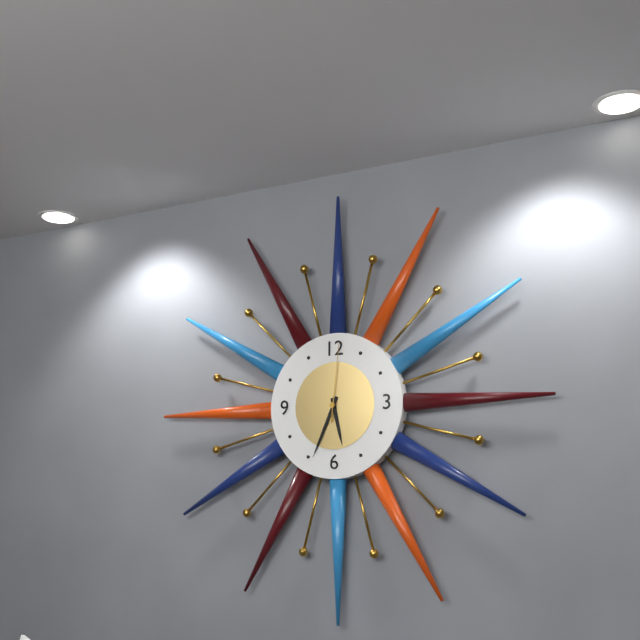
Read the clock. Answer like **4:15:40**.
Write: **5:34:01**
